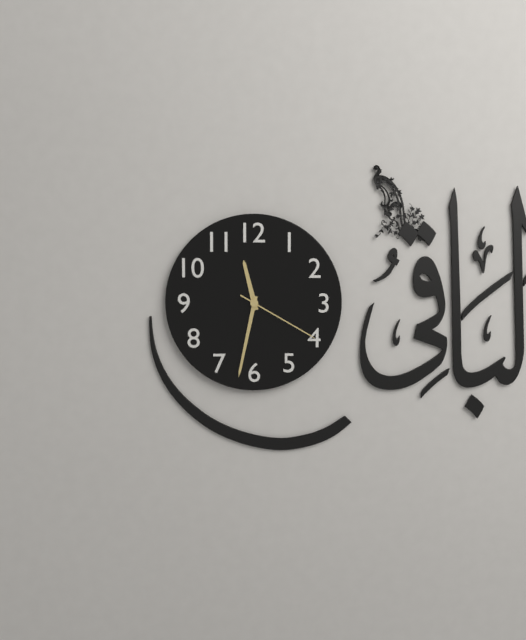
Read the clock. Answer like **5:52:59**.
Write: **11:32:20**
